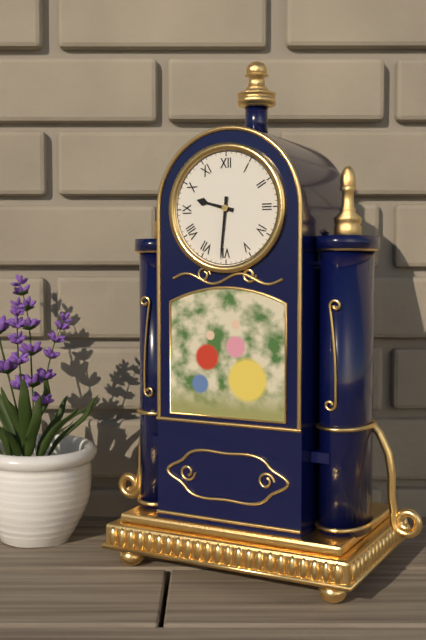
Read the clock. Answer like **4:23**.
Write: **9:31**
